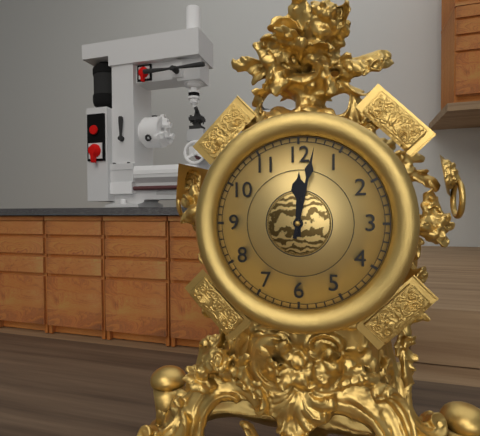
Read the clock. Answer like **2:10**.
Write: **12:02**
